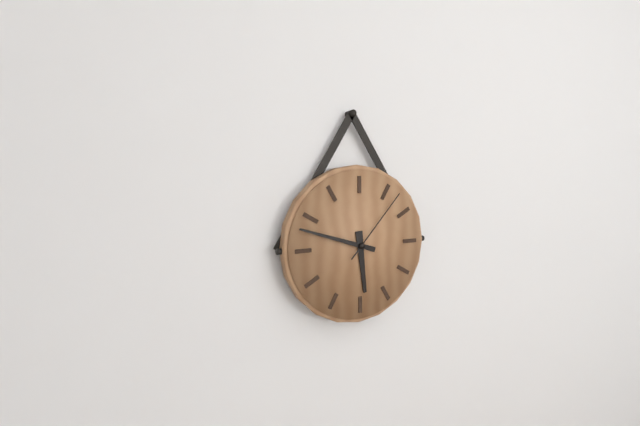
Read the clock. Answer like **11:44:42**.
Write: **5:48:07**
